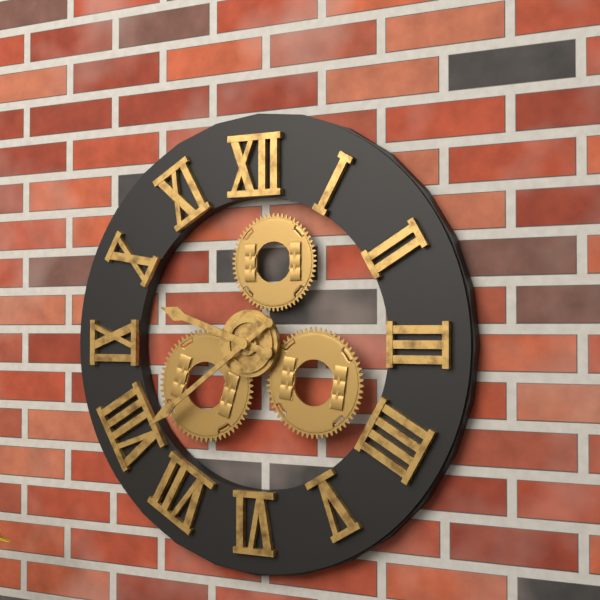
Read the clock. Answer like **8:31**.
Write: **9:39**
